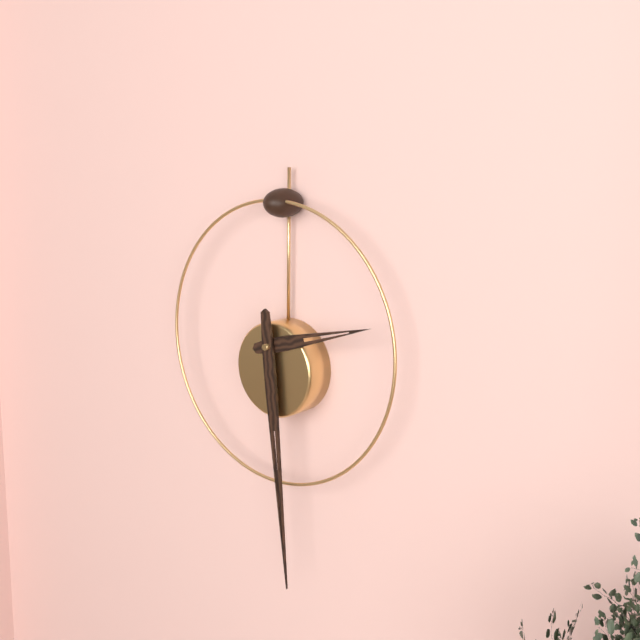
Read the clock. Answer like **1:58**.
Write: **2:29**
